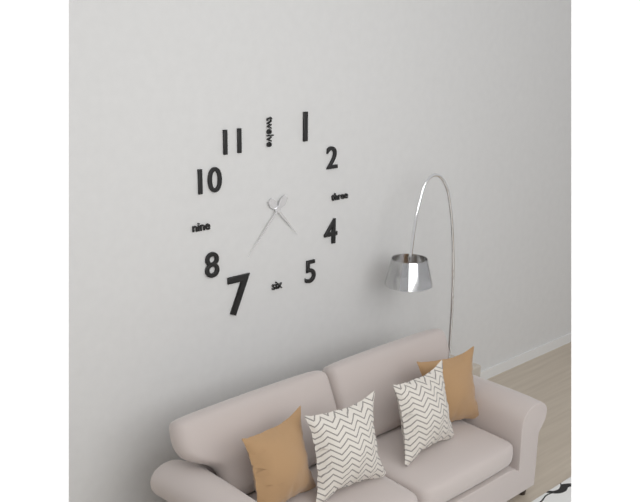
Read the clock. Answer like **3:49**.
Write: **4:37**
